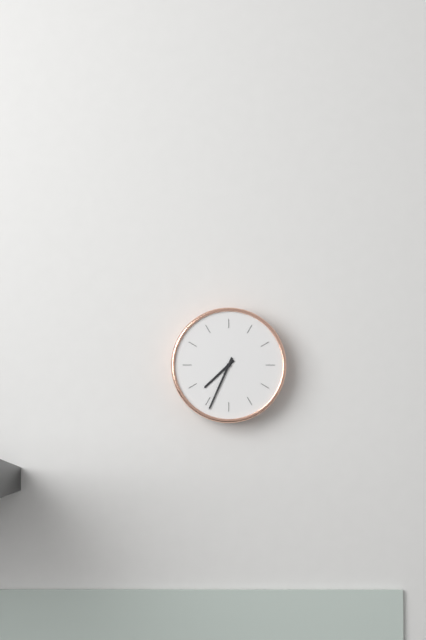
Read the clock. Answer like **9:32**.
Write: **7:34**
